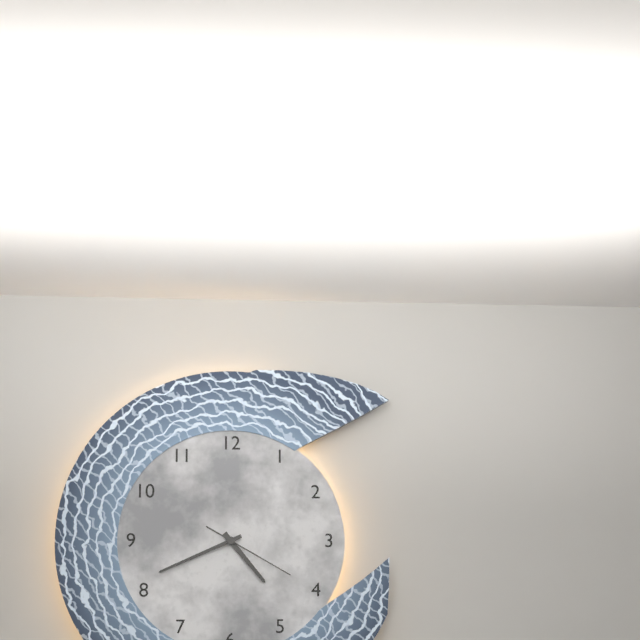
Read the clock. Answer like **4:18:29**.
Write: **4:41:20**
